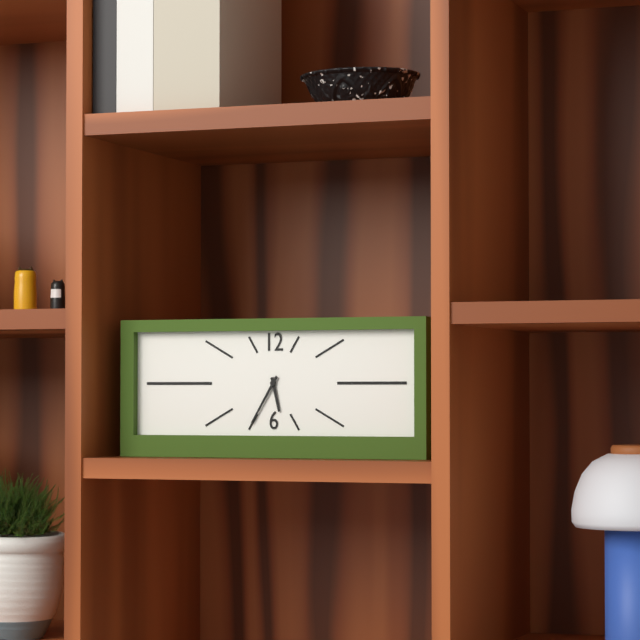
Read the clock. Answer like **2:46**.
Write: **5:35**
